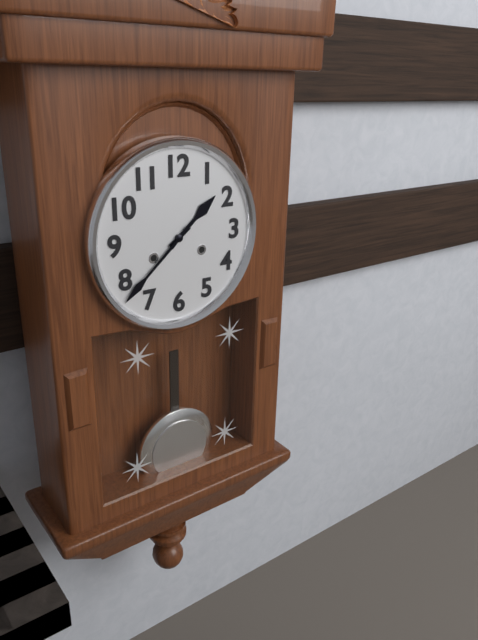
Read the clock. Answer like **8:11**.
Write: **1:38**
